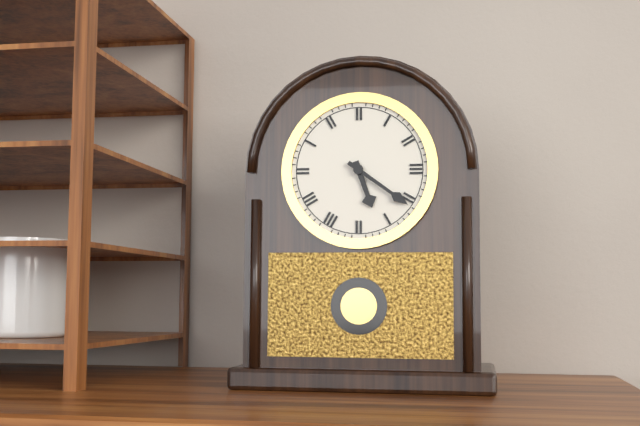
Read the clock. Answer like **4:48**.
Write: **5:21**
